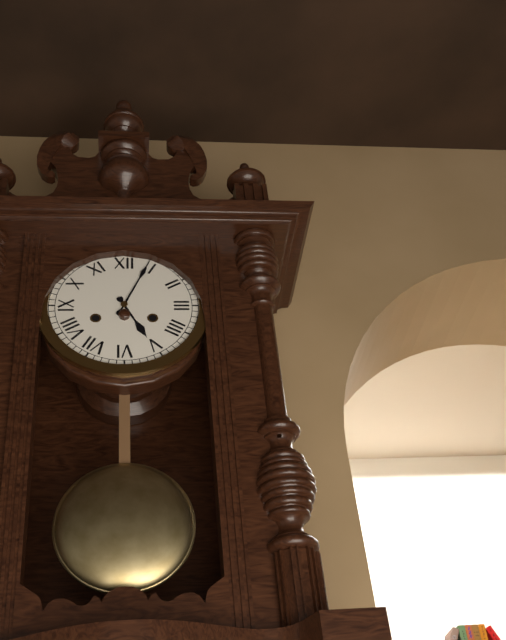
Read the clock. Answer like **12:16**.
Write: **5:04**
